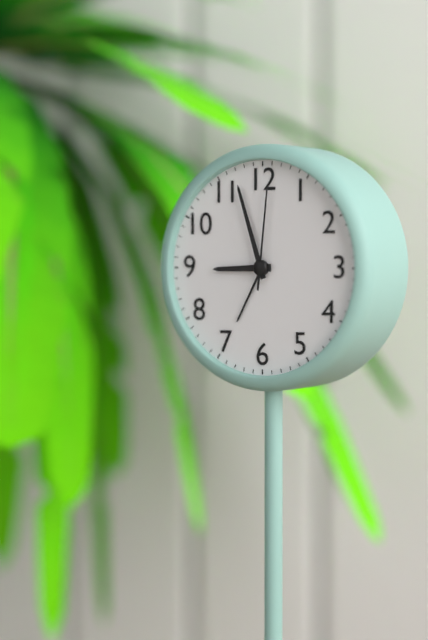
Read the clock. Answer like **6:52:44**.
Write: **8:57:01**
